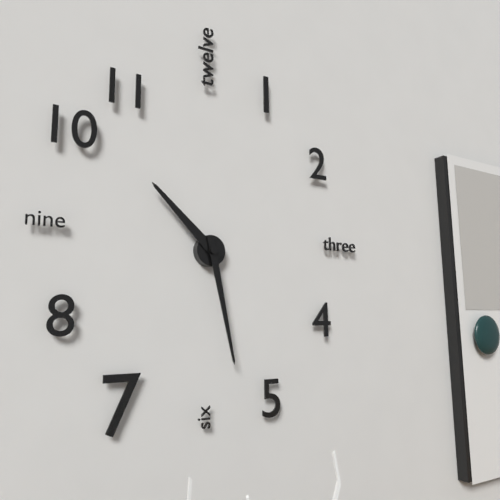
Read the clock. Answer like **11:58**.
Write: **10:28**
